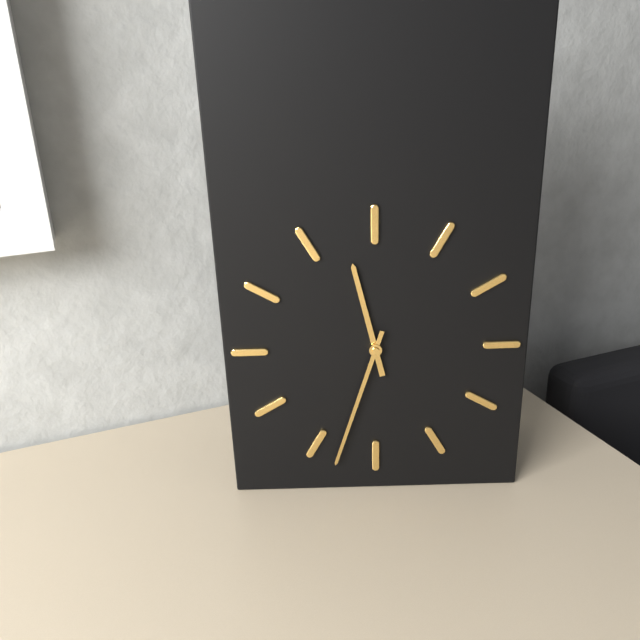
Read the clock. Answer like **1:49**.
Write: **11:33**
